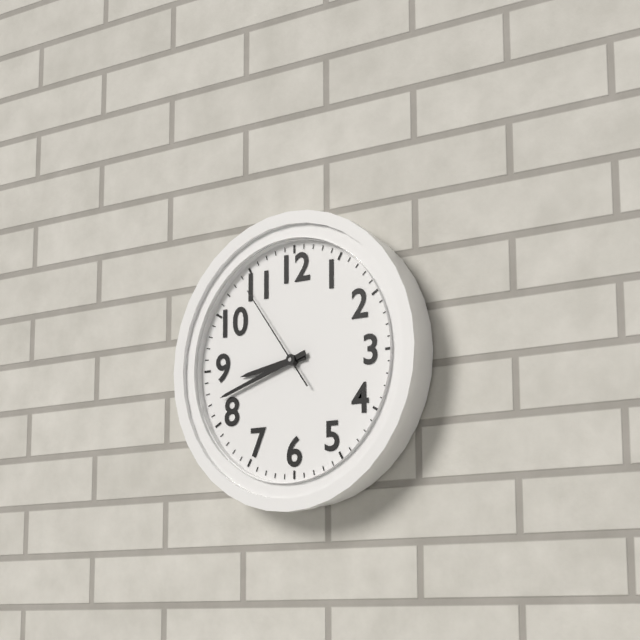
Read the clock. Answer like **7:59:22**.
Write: **8:42:54**
